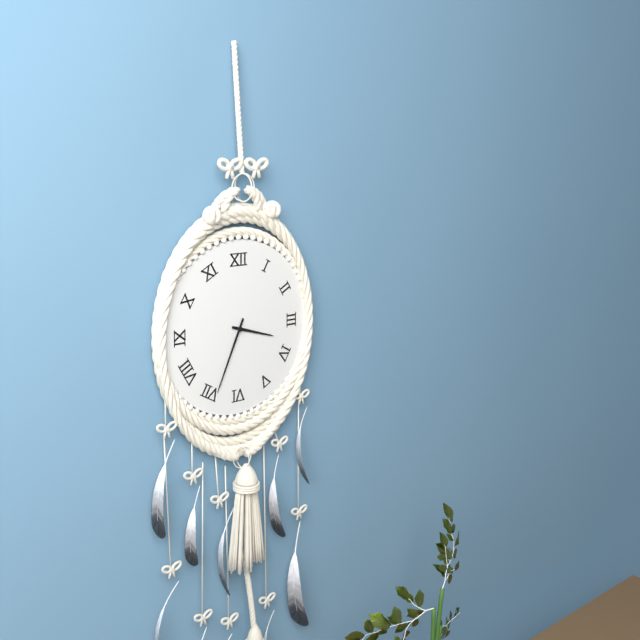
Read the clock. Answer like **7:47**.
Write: **3:34**
